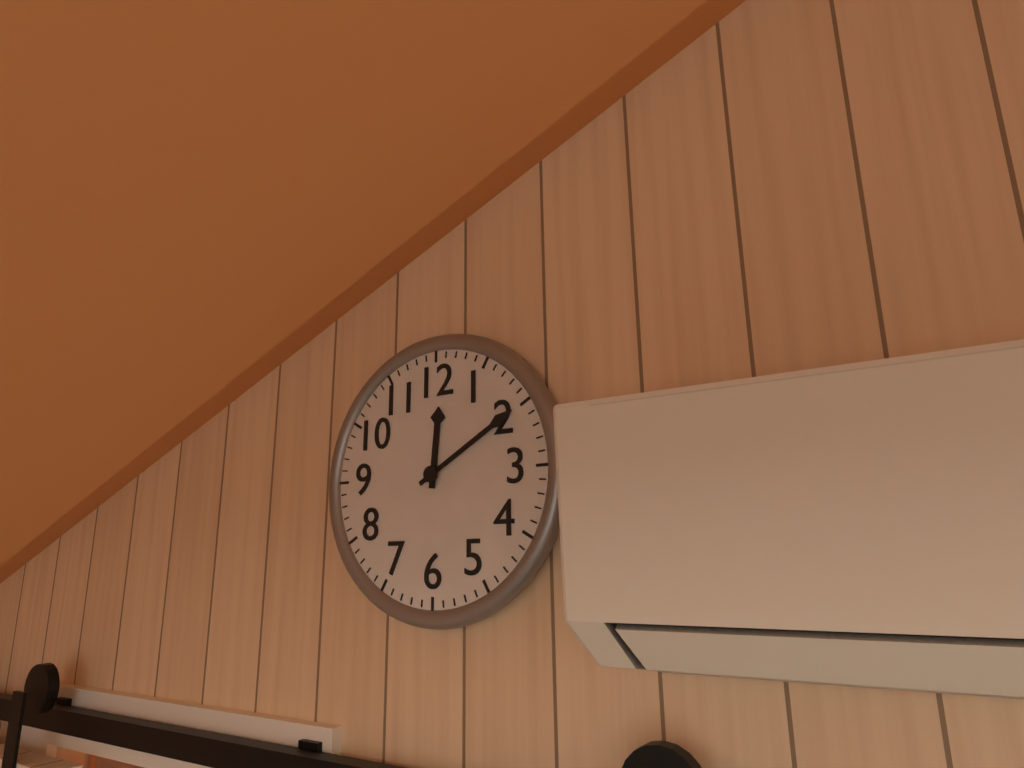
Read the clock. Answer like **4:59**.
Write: **12:10**
